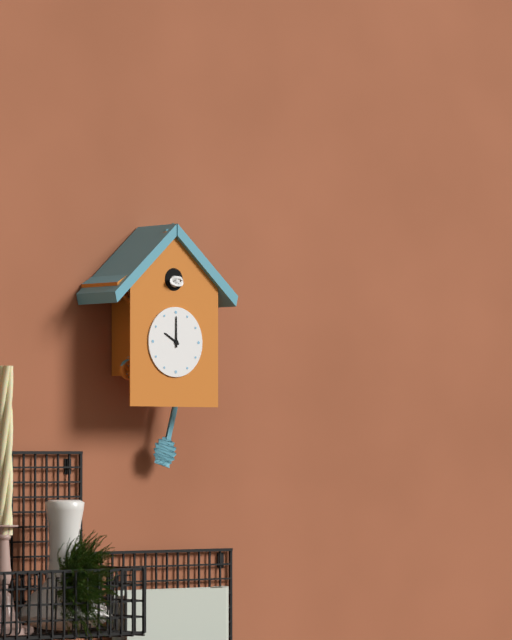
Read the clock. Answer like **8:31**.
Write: **10:00**
